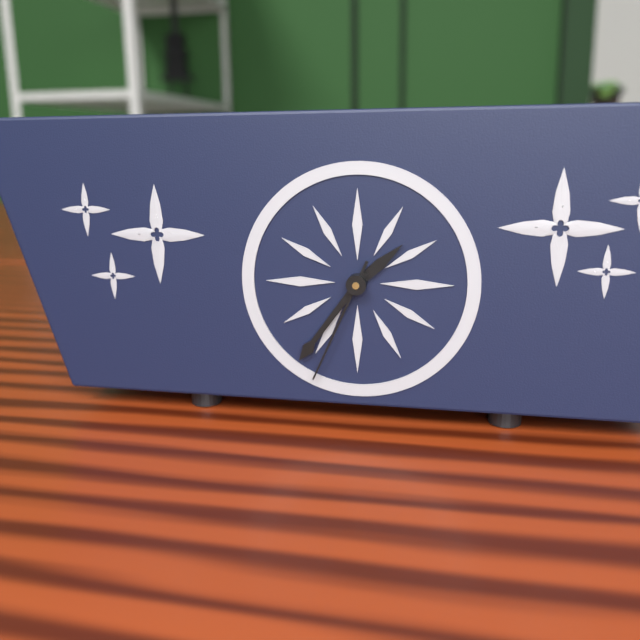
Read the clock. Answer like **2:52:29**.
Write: **1:36:34**
